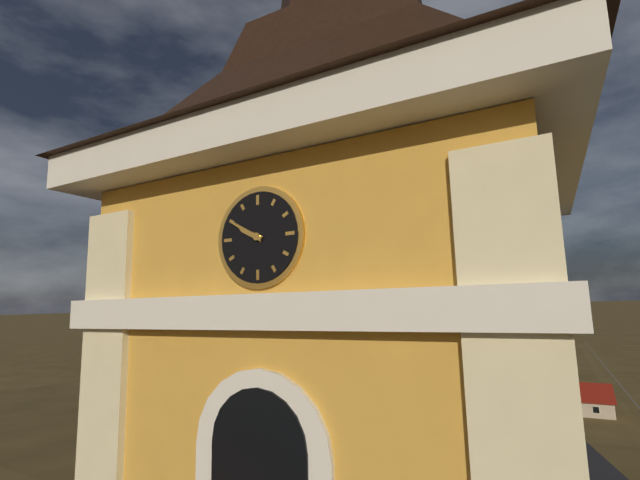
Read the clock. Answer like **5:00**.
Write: **9:50**
